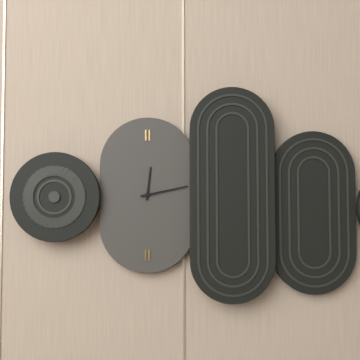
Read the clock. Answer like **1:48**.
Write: **12:13**
